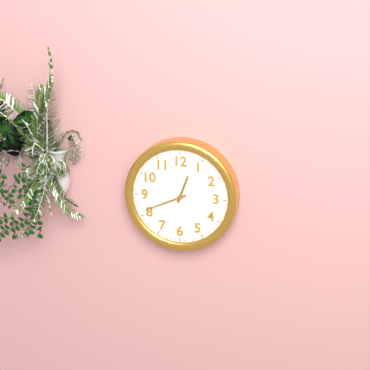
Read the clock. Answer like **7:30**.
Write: **12:41**
